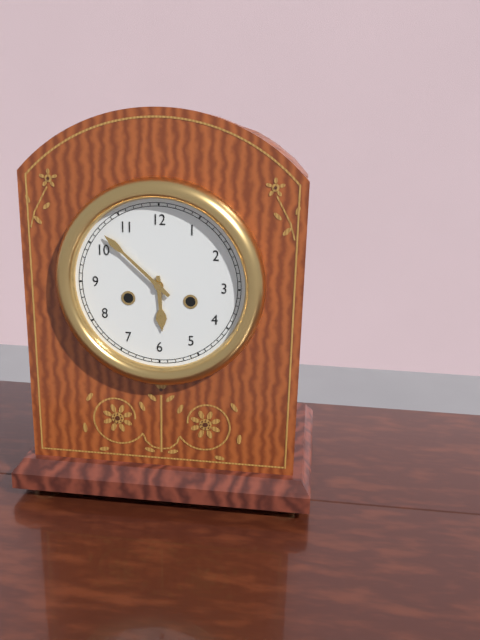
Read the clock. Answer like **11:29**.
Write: **5:52**
